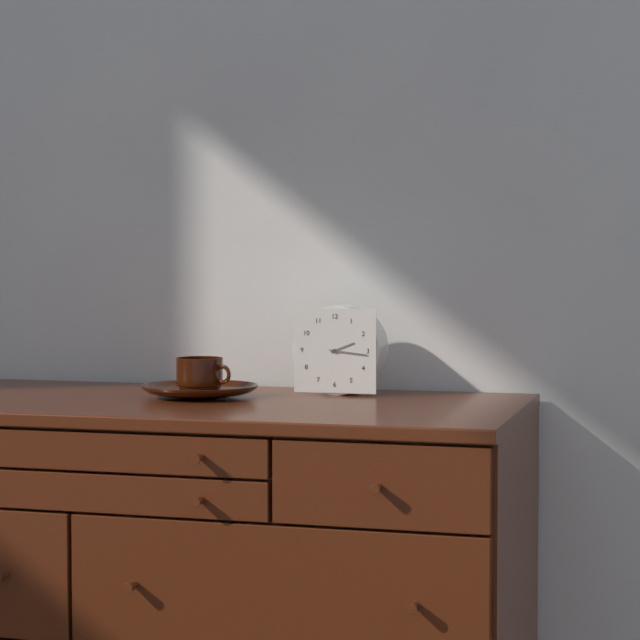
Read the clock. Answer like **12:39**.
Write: **2:16**
